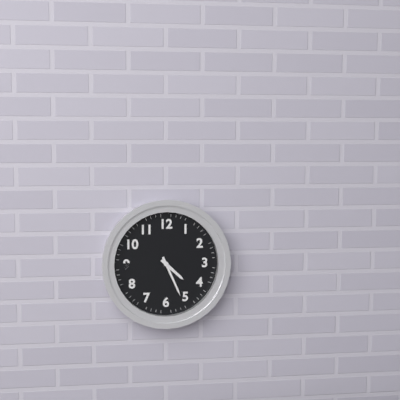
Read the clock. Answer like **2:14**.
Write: **4:26**
